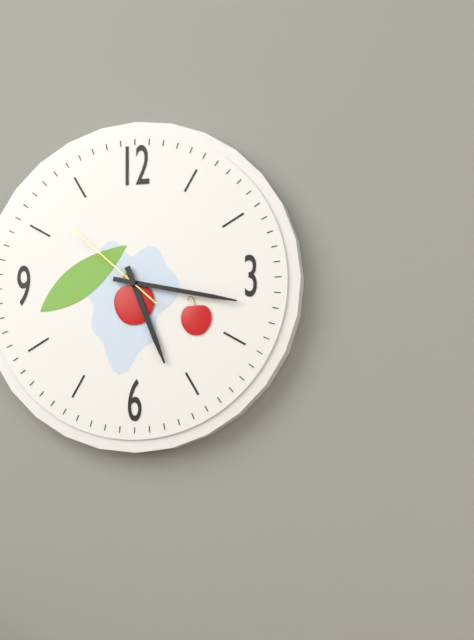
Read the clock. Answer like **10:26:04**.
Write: **5:17:52**
